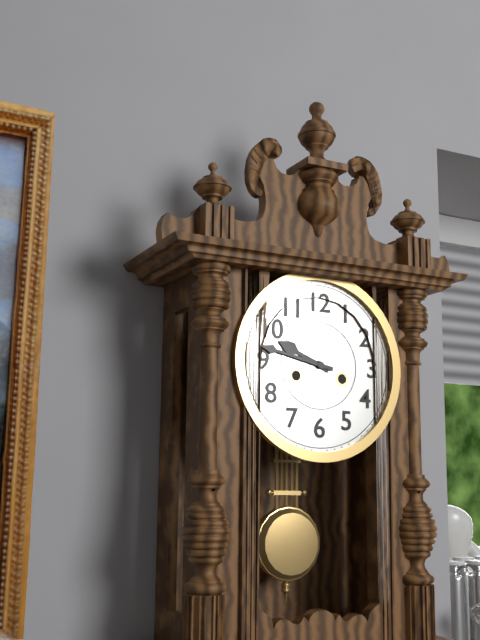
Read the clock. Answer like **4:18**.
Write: **9:47**
